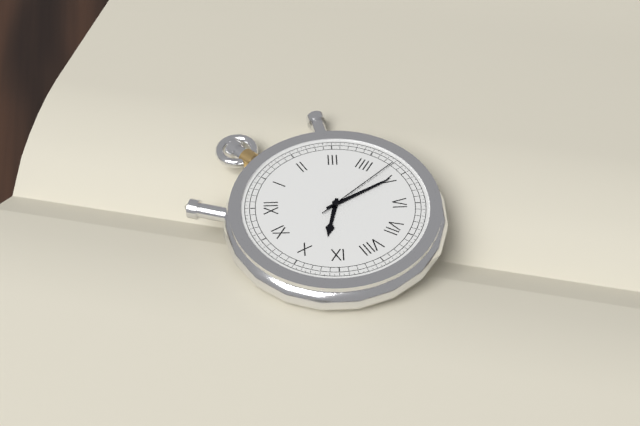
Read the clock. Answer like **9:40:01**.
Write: **9:25:23**
